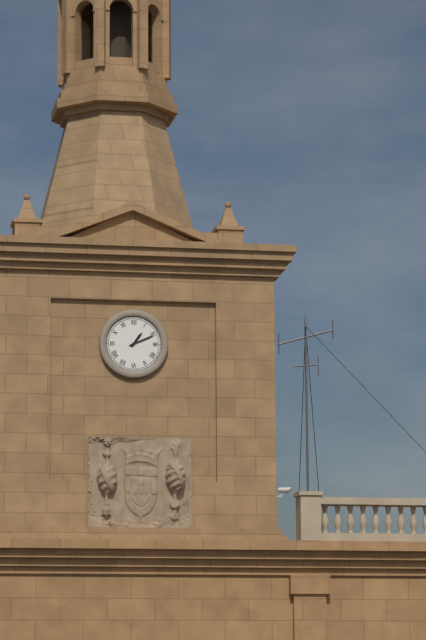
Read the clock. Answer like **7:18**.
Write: **1:11**
